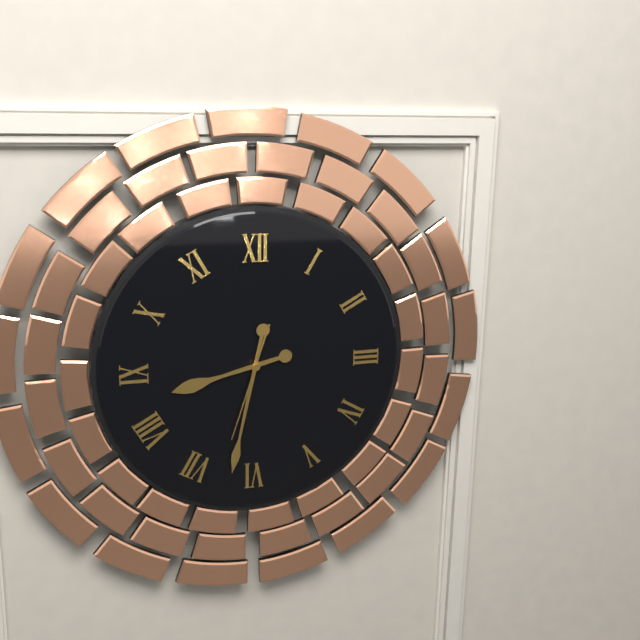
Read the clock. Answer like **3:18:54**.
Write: **8:32:33**
